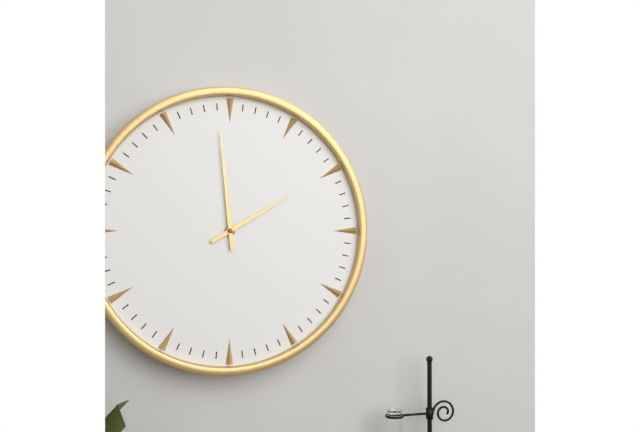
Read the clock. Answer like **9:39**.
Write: **1:59**
